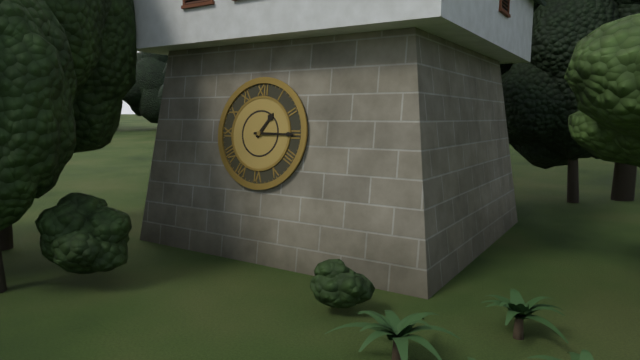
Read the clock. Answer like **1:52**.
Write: **1:15**
